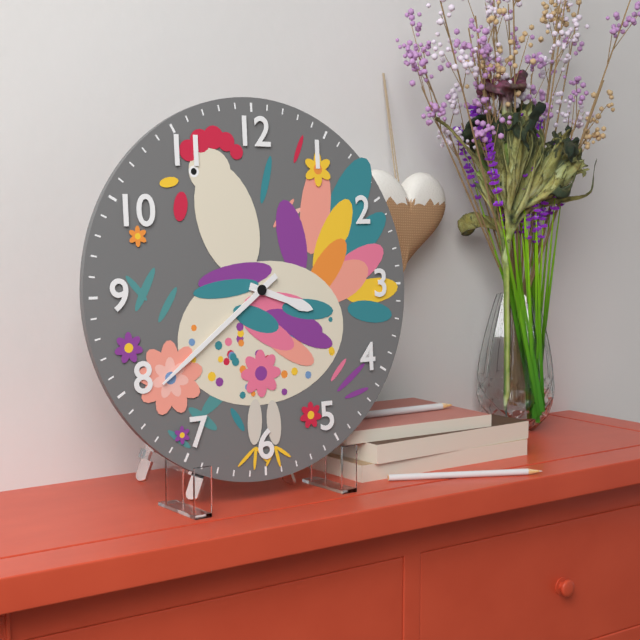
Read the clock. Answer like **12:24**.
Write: **3:39**
